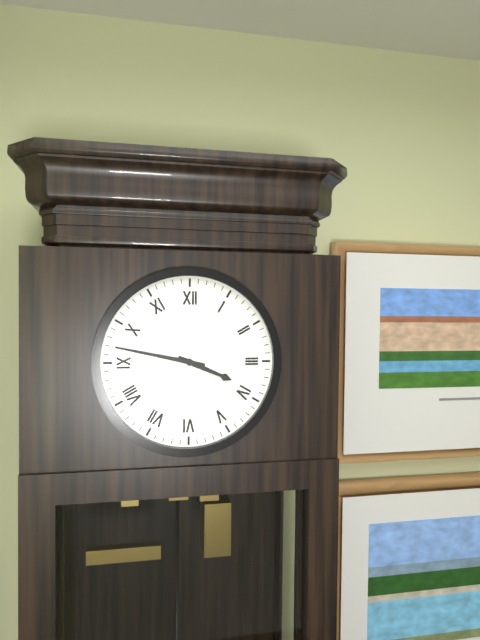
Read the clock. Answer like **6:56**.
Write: **3:47**
